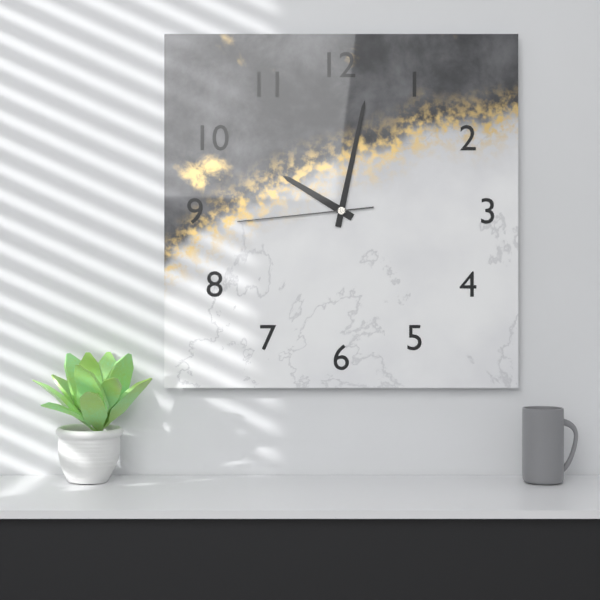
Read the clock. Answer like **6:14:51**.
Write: **10:02:44**
